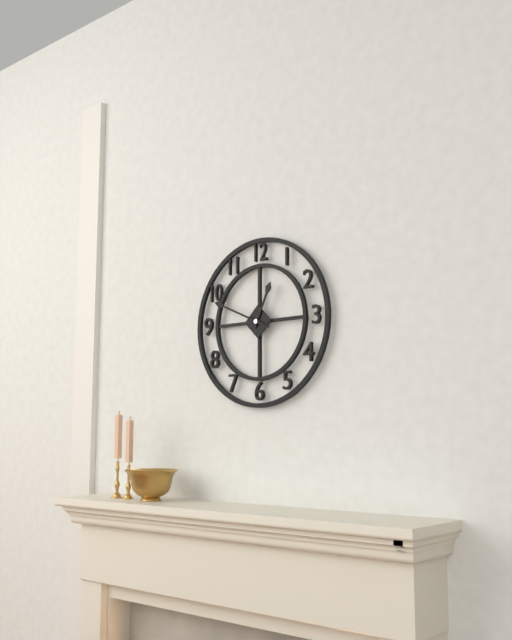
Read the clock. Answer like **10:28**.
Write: **12:49**
